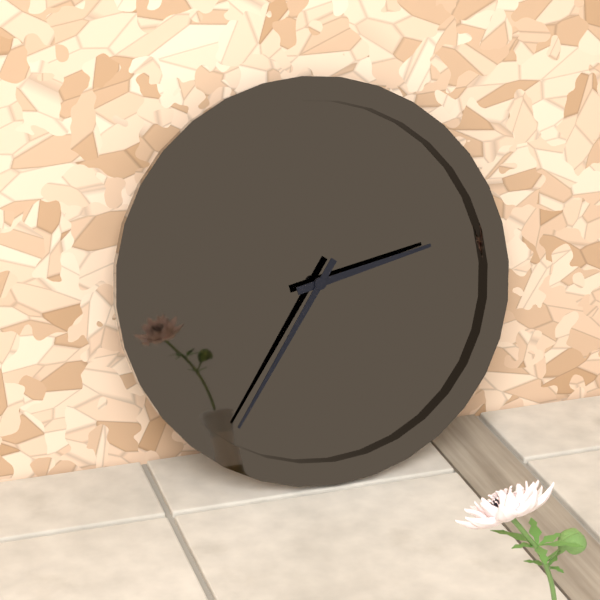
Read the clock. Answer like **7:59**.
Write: **2:36**
